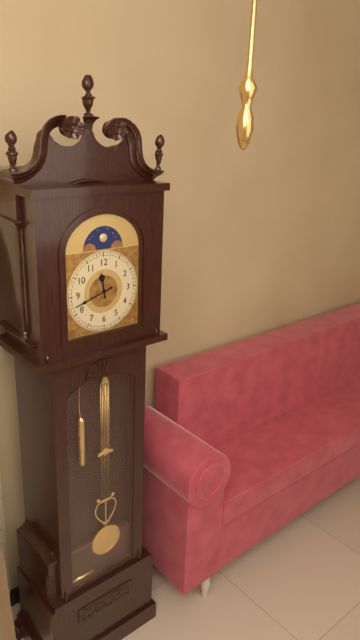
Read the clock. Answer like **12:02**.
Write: **11:42**
